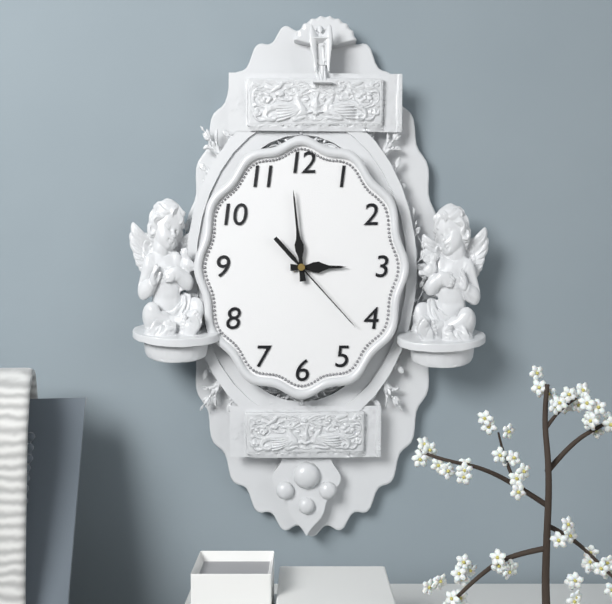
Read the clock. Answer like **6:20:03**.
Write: **2:59:23**
